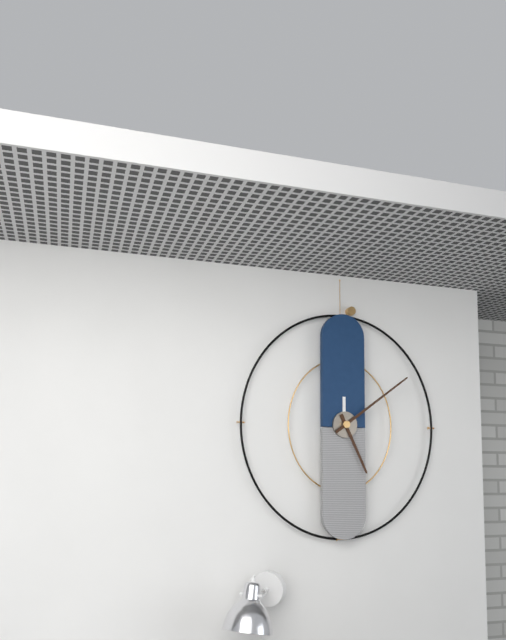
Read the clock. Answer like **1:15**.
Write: **5:09**
